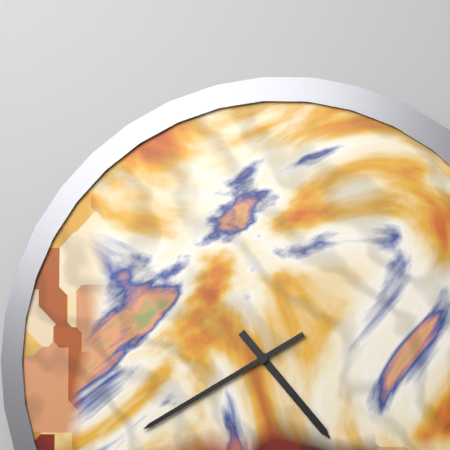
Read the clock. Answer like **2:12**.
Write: **4:40**
